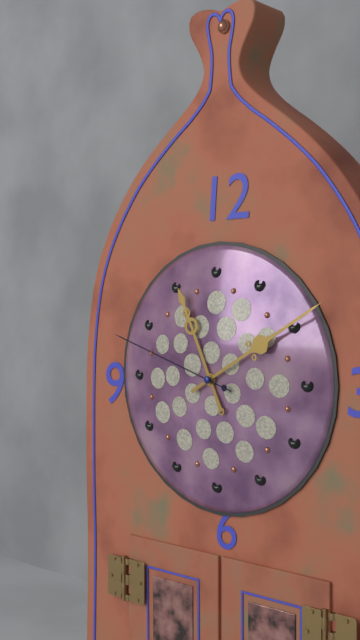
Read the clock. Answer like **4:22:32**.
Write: **11:10:48**
